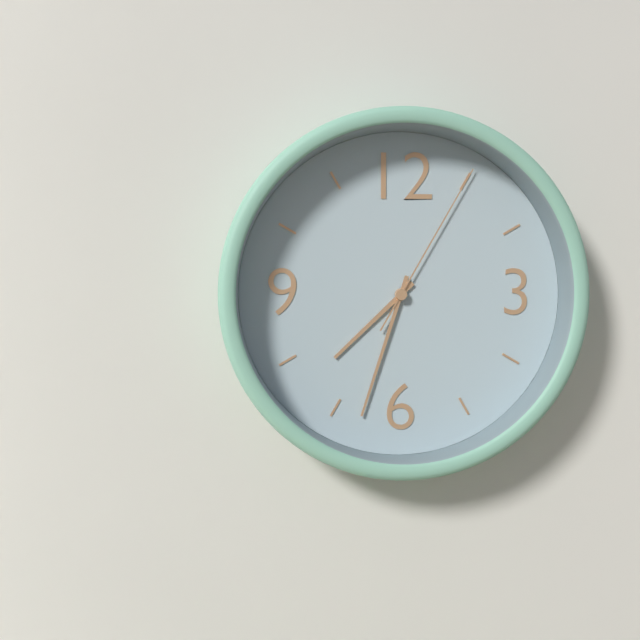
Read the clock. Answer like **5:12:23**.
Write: **7:33:05**
